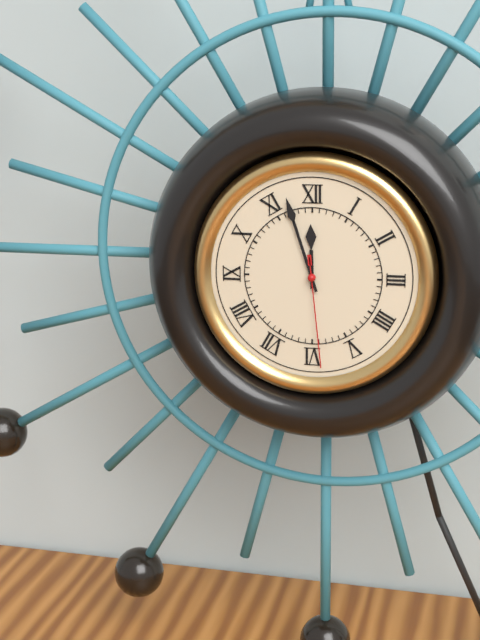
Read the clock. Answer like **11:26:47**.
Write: **11:57:29**
